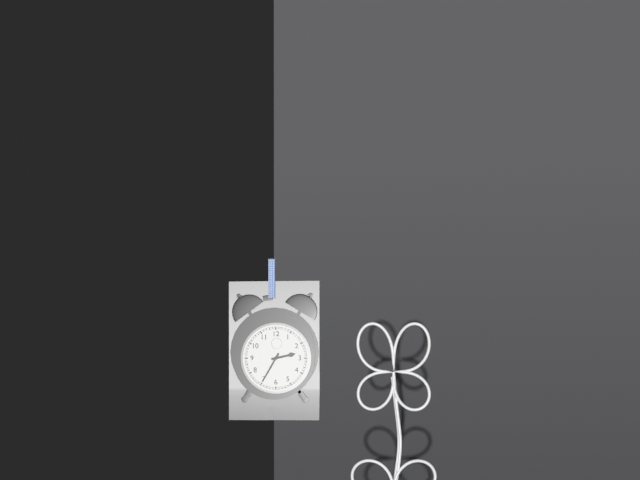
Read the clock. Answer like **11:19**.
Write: **2:35**
